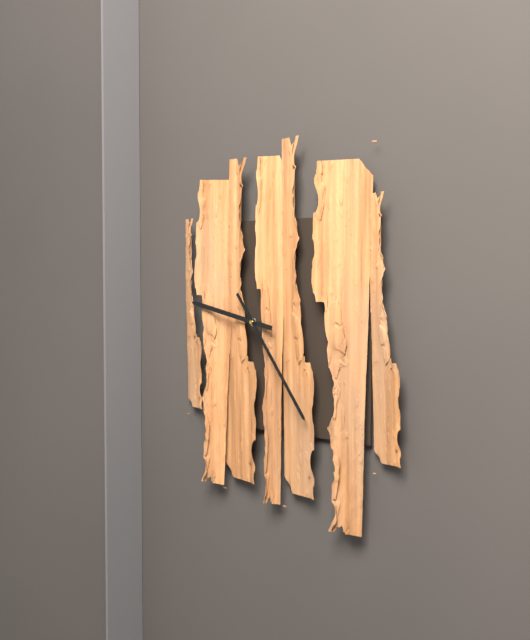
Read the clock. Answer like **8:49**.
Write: **9:24**
